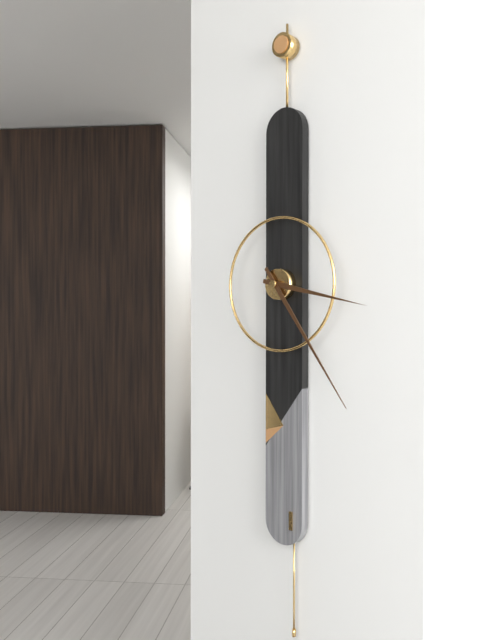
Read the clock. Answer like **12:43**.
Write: **3:24**
